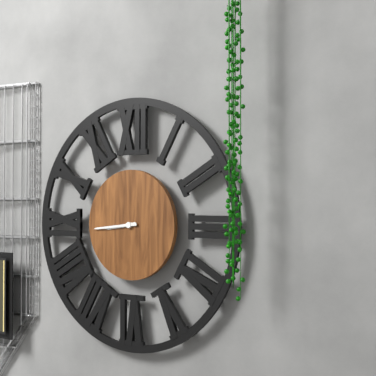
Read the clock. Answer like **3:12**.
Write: **8:44**
